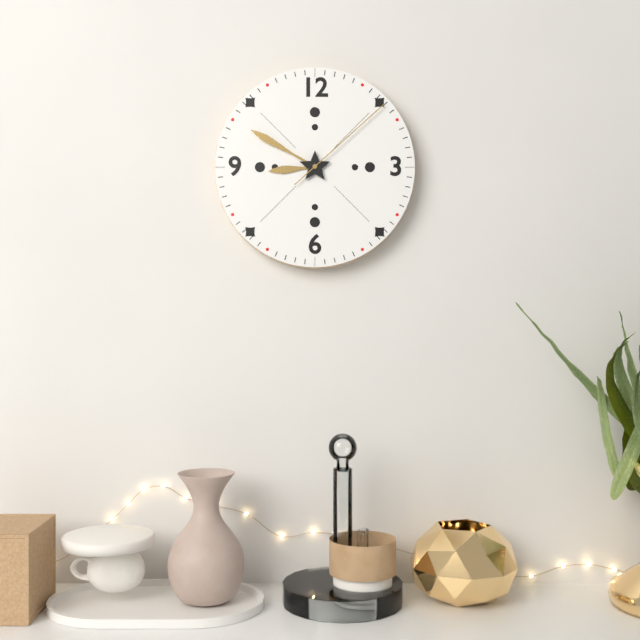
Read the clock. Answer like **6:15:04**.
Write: **8:50:08**
